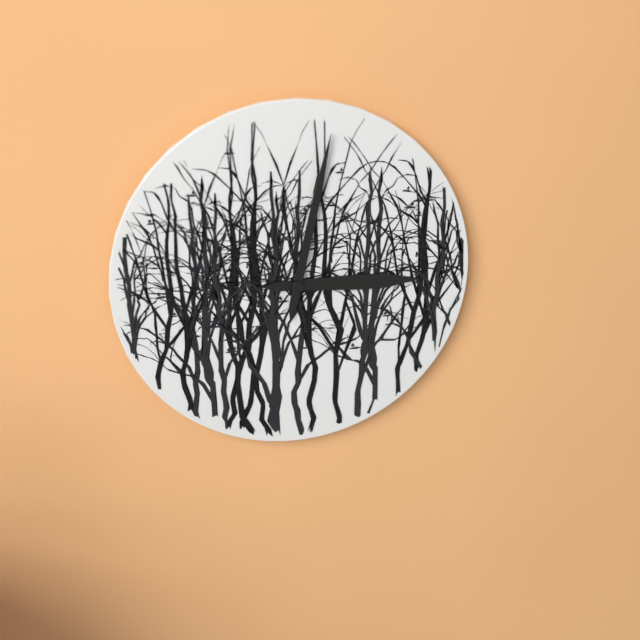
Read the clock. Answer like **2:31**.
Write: **3:02**
